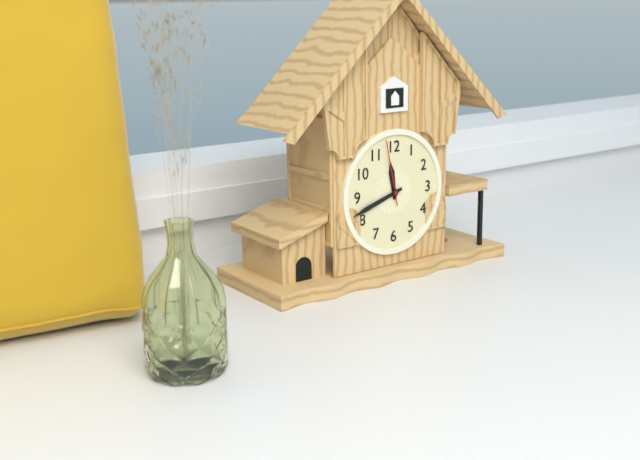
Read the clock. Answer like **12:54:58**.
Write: **11:42:58**
